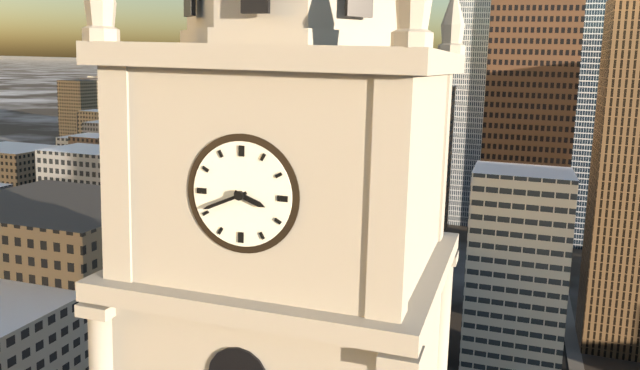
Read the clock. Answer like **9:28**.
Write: **3:41**
